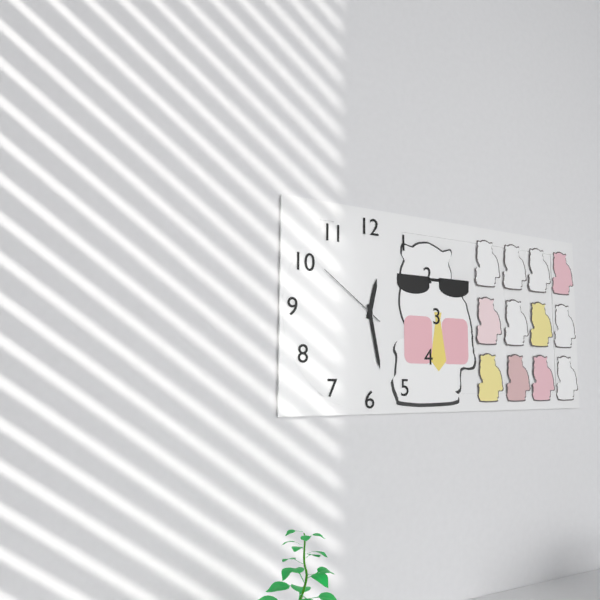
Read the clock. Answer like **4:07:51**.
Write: **12:28:51**
